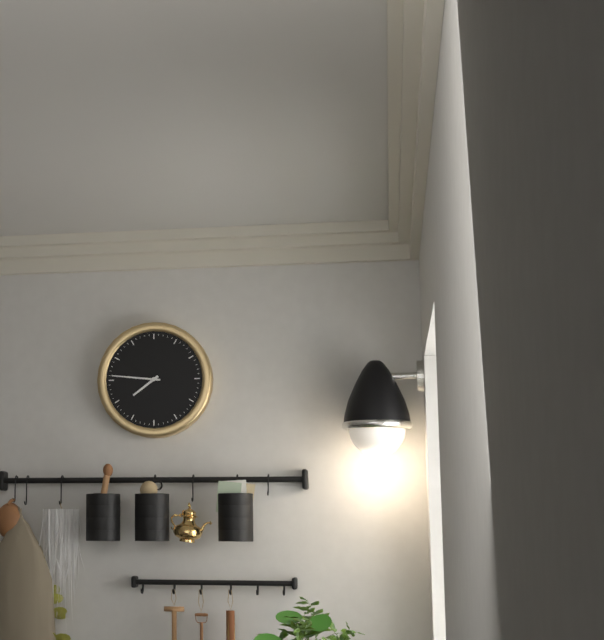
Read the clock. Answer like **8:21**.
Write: **7:46**
